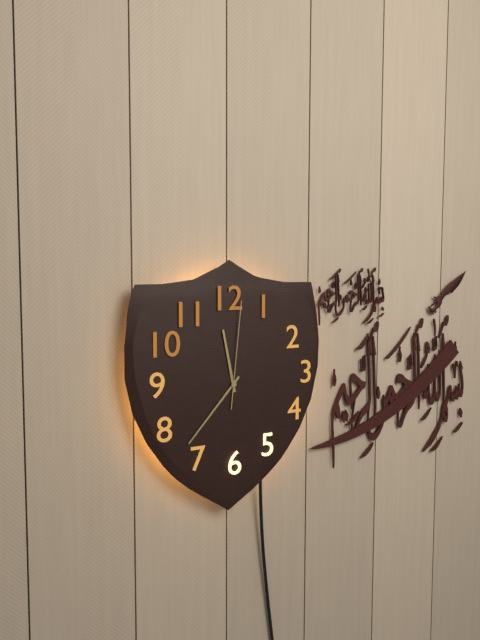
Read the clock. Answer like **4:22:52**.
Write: **11:37:01**
